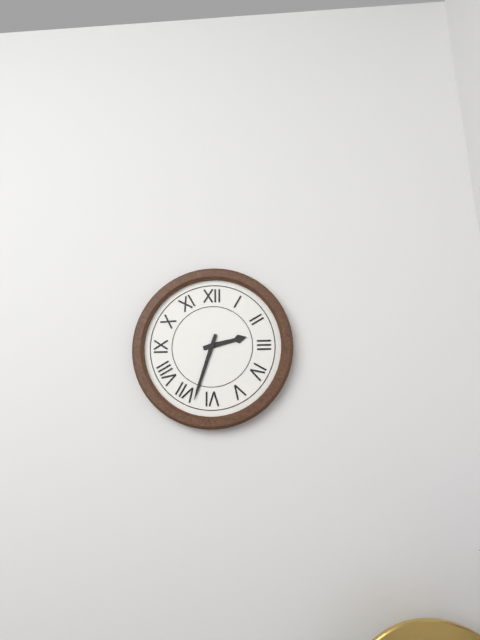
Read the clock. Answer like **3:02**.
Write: **2:33**
